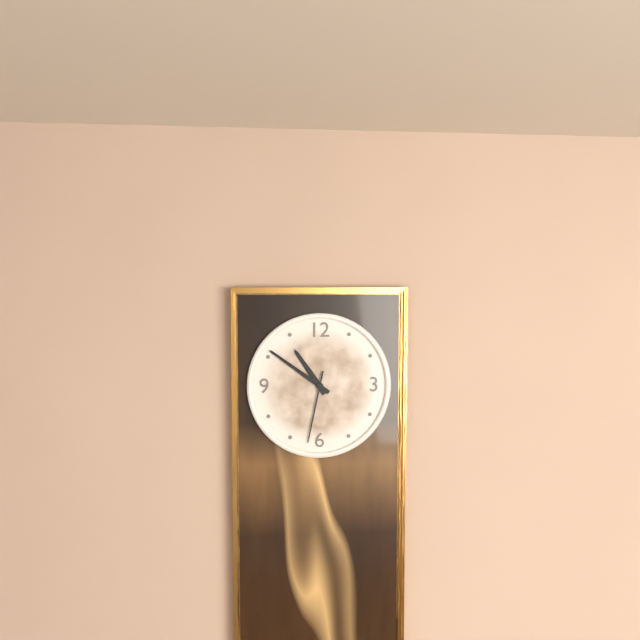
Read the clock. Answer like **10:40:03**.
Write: **10:51:32**
